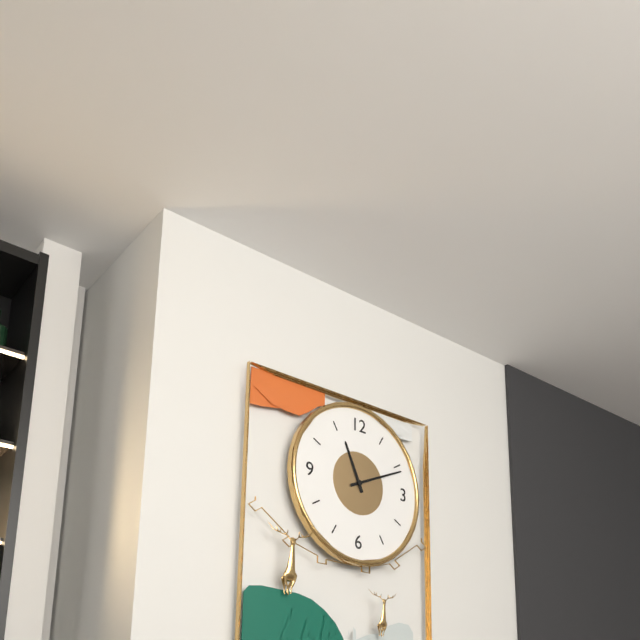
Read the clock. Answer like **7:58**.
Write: **11:11**
